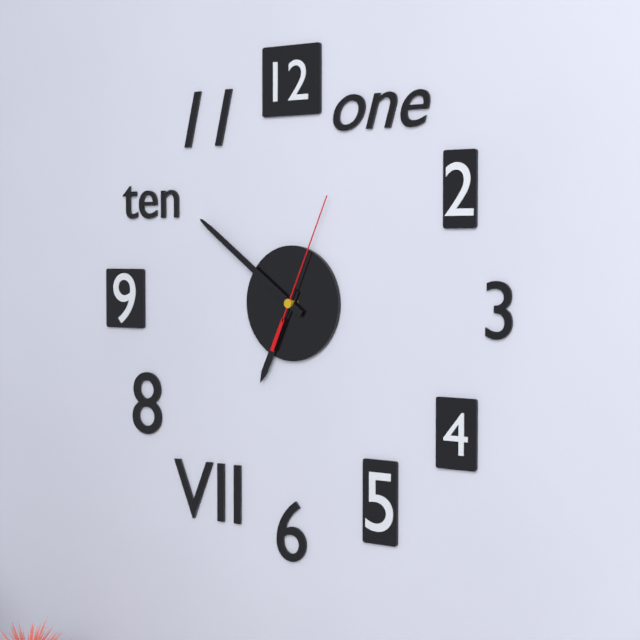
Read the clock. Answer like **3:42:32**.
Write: **6:51:04**
